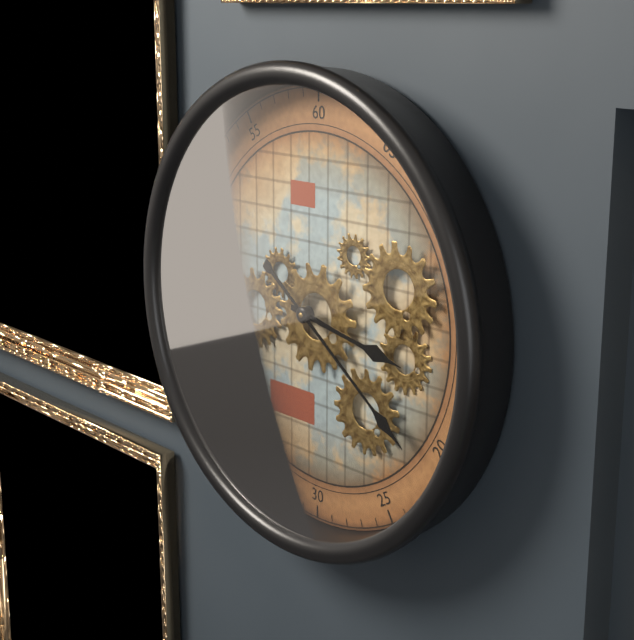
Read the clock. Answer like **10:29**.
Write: **3:21**
